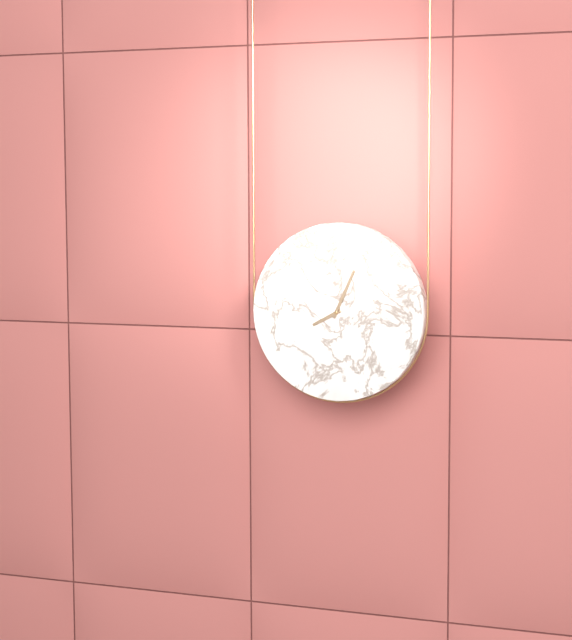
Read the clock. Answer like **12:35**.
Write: **8:04**
